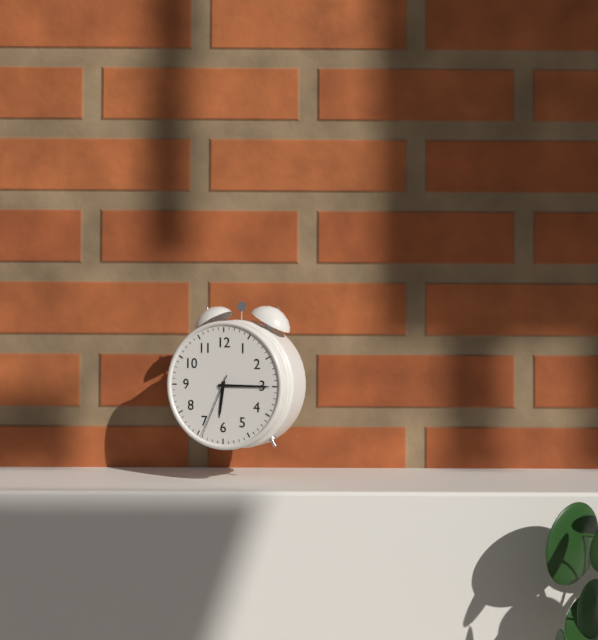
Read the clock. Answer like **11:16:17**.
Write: **6:15:34**
